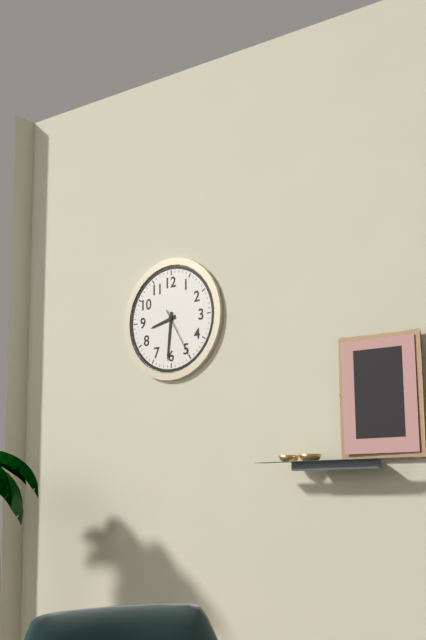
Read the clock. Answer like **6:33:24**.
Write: **8:31:25**
